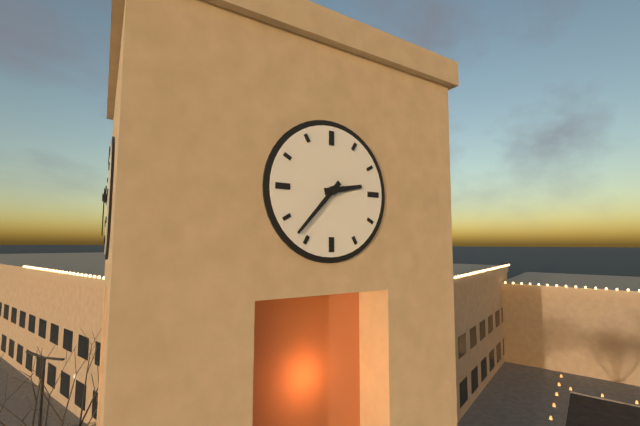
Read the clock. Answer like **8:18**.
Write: **2:37**
